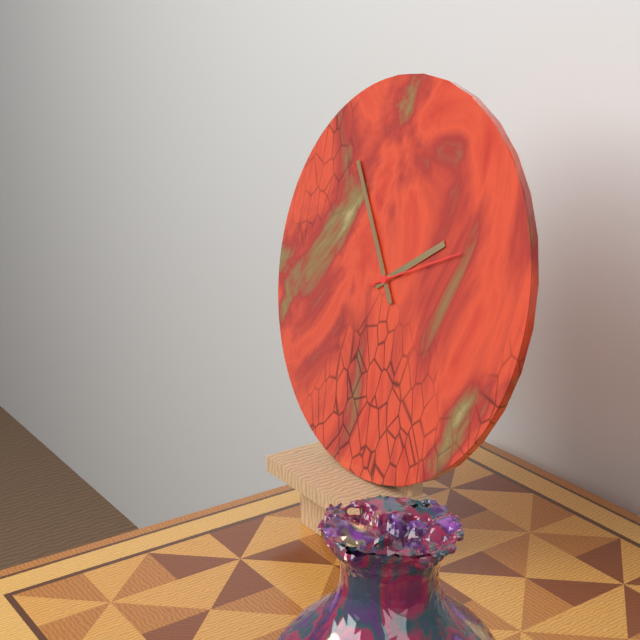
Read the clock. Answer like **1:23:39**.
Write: **1:54:11**
